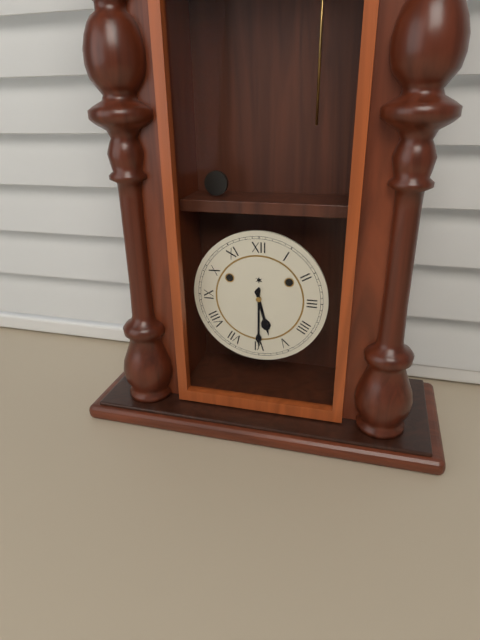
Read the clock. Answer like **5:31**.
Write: **5:30**
